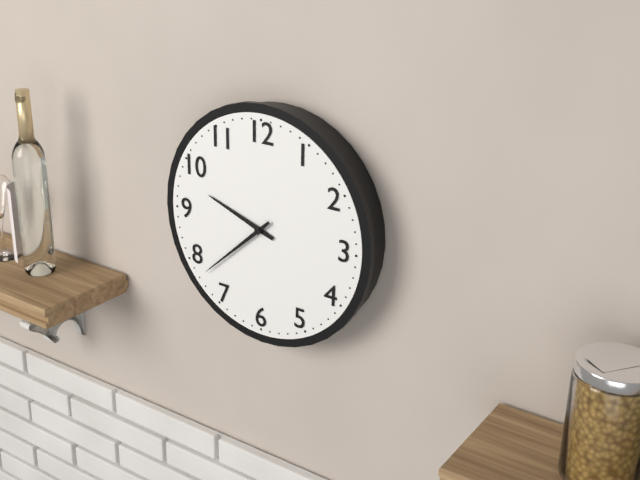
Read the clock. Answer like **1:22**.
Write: **9:38**
